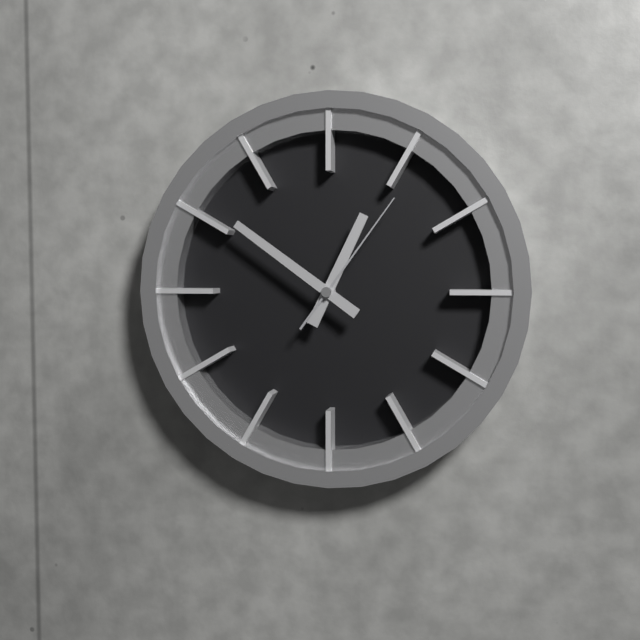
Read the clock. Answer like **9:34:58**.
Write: **12:51:06**
